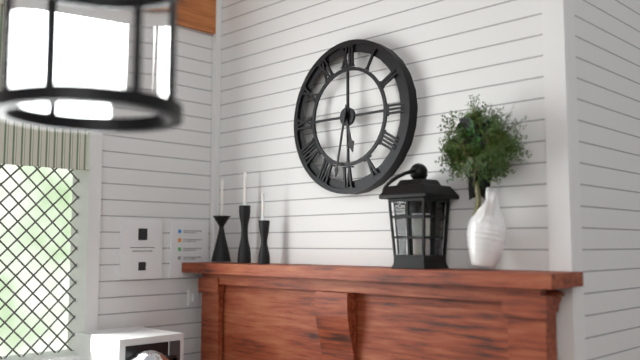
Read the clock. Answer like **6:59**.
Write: **5:32**
